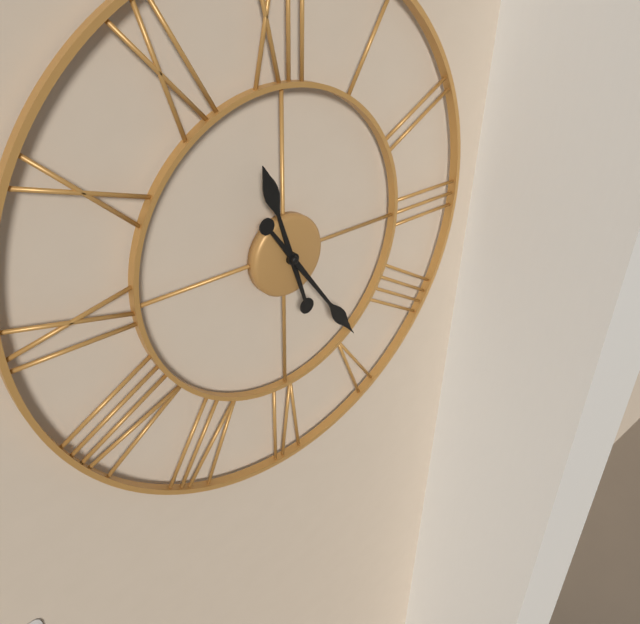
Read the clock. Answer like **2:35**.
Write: **11:24**
